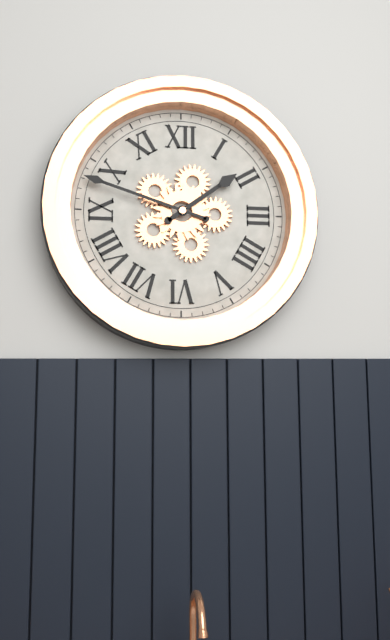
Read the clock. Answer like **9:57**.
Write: **1:48**
